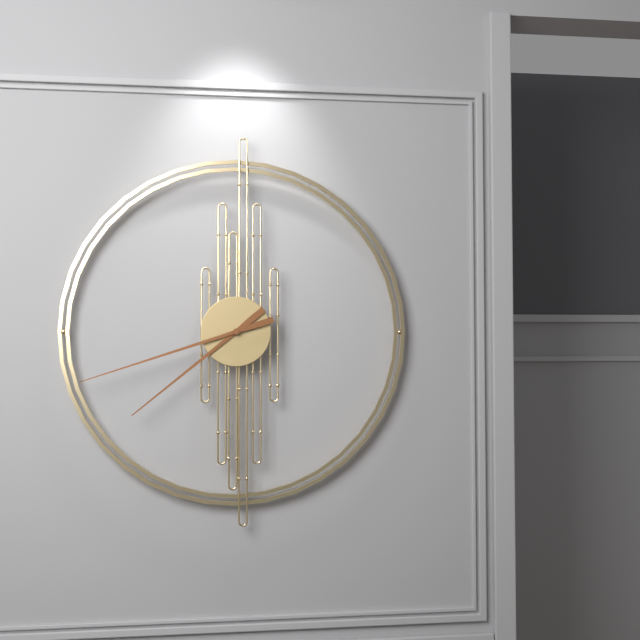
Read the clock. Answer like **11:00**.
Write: **7:42**
